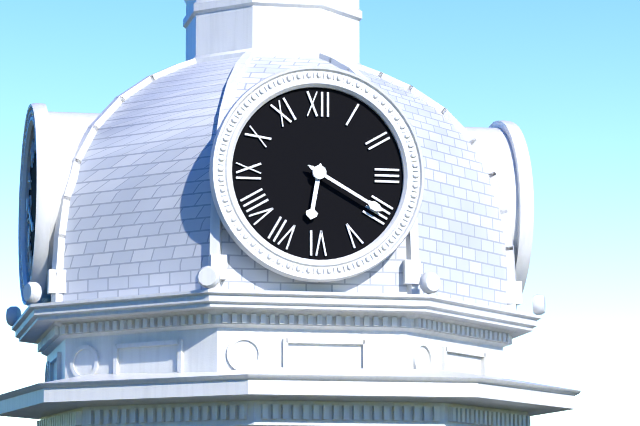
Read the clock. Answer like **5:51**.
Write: **6:20**
